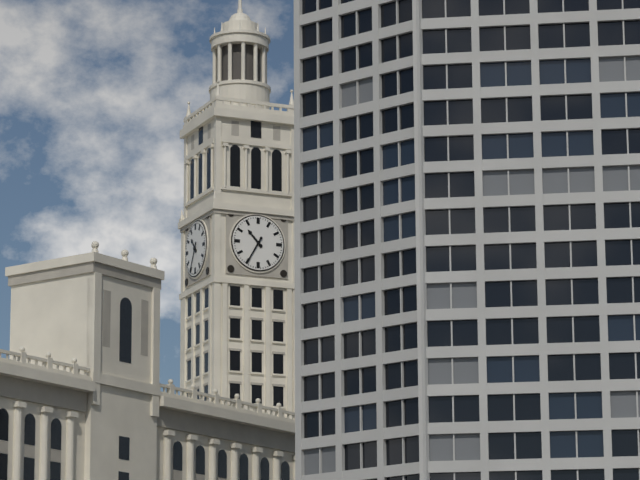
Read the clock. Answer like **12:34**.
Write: **10:35**
